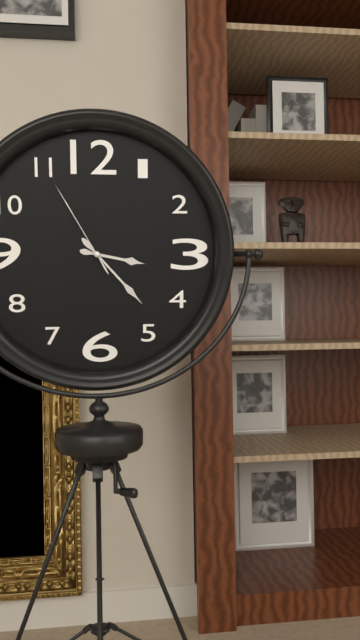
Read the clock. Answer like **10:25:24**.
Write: **3:23:55**
